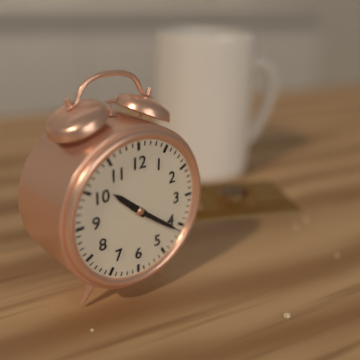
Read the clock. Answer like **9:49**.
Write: **10:21**
